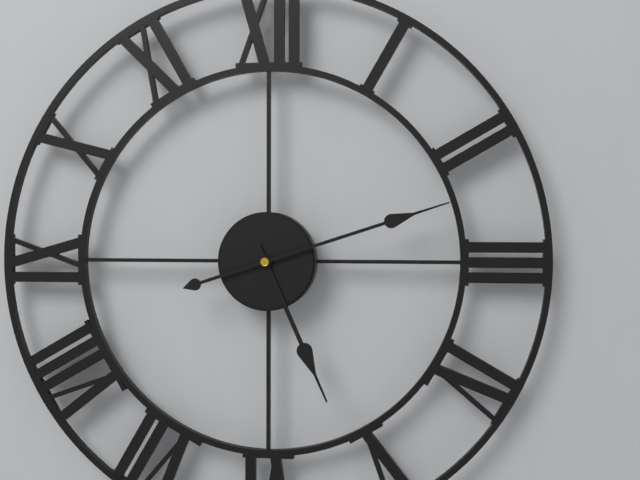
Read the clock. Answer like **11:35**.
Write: **5:12**
